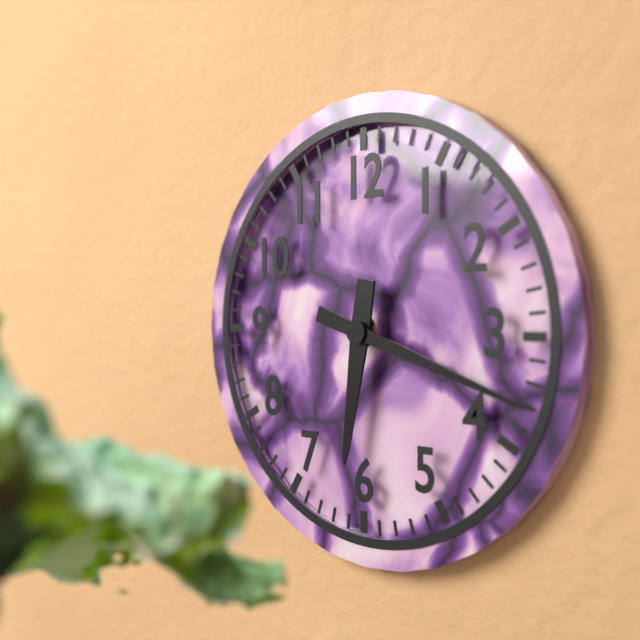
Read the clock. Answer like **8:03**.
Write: **6:18**
